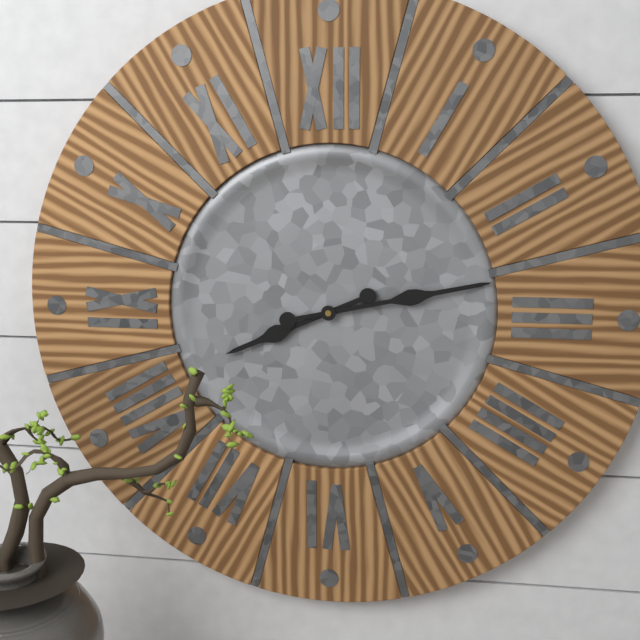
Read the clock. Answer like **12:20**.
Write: **8:13**
